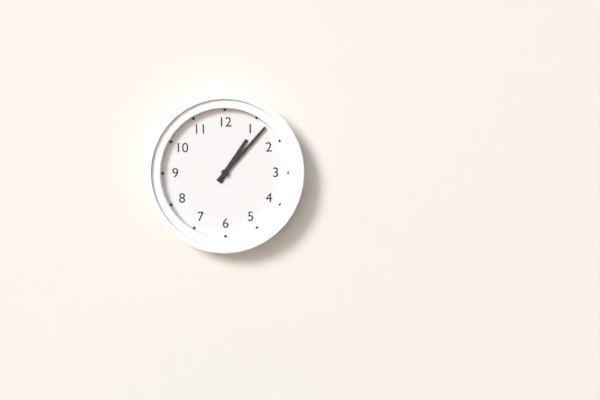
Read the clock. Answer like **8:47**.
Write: **1:07**
